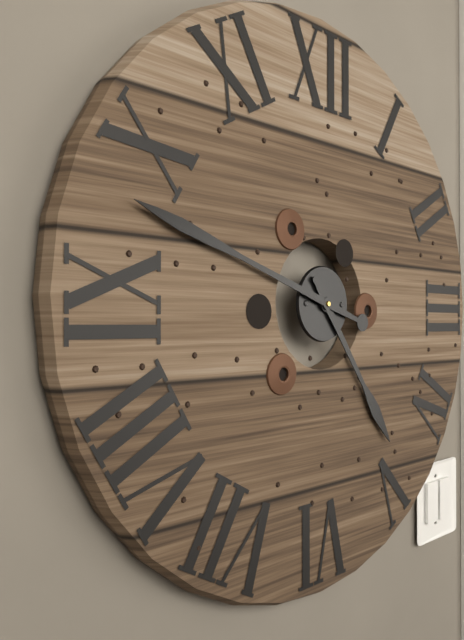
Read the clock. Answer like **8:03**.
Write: **4:48**
